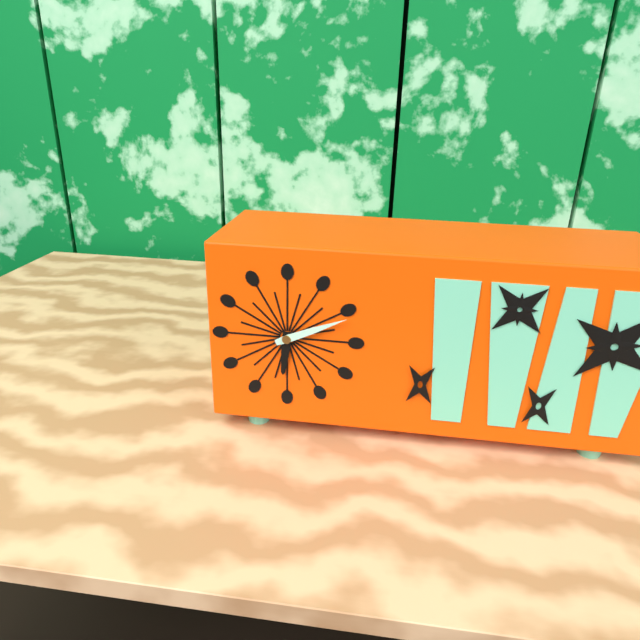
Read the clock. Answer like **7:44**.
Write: **6:11**
